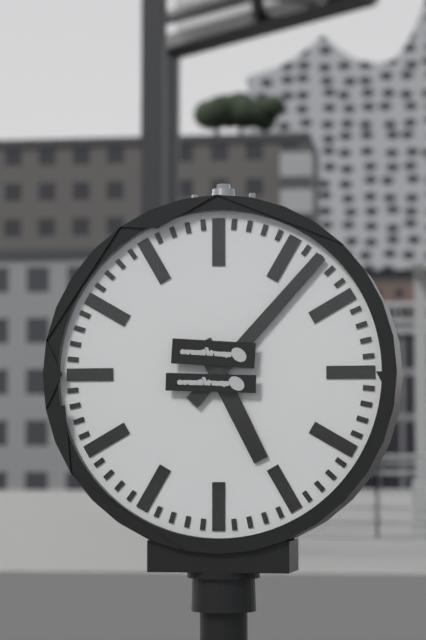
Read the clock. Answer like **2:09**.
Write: **5:07**
